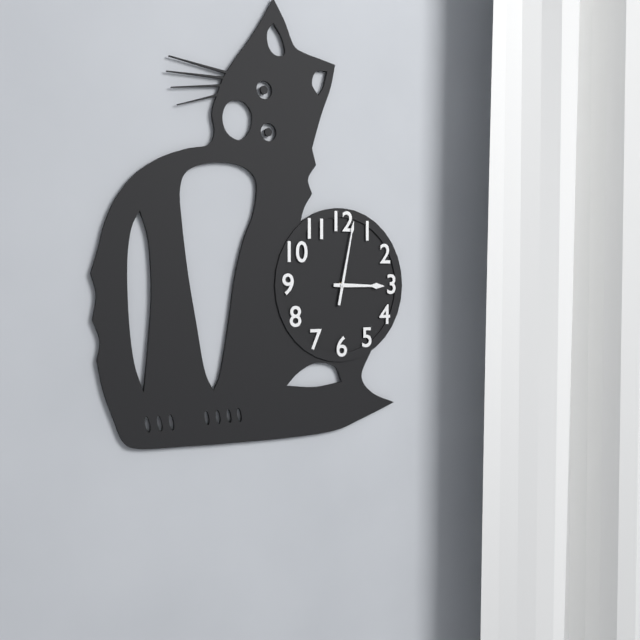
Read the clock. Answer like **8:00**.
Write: **3:02**
